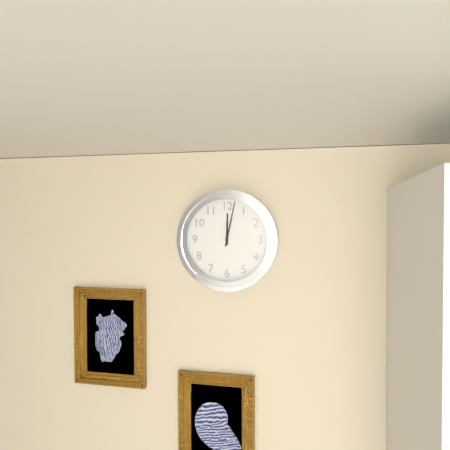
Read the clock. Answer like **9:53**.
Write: **12:02**
